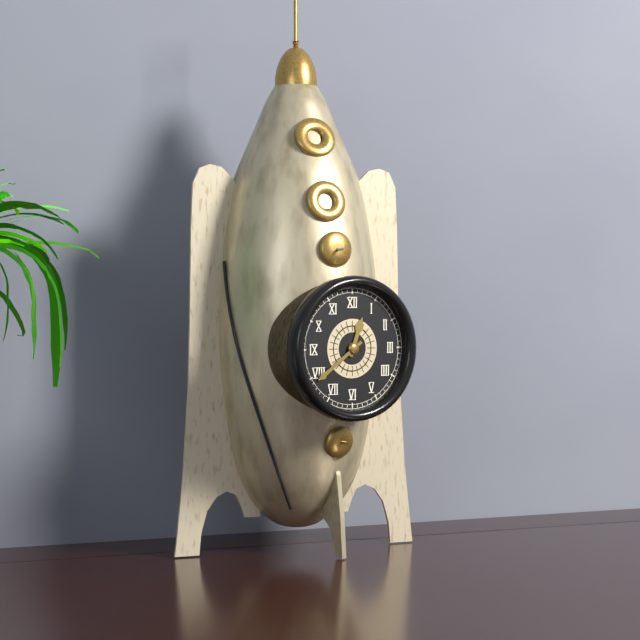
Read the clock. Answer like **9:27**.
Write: **12:39**
